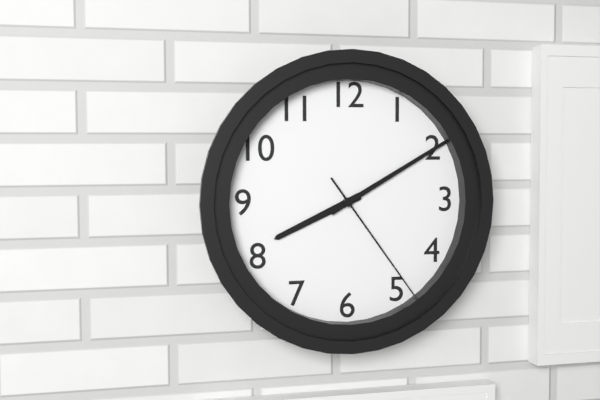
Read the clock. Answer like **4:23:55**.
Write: **8:10:24**
